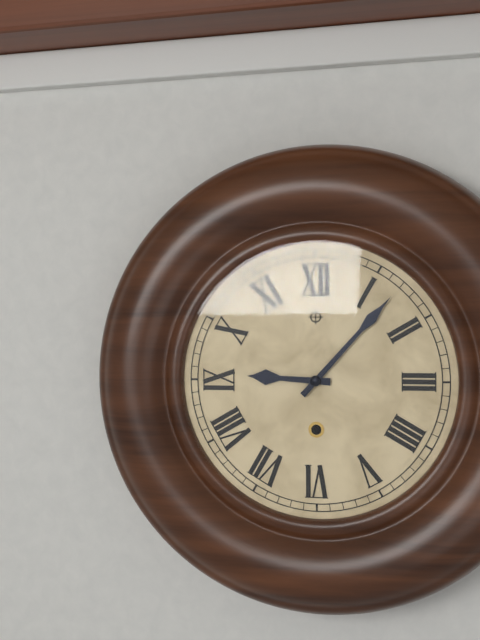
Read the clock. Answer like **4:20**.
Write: **9:07**
